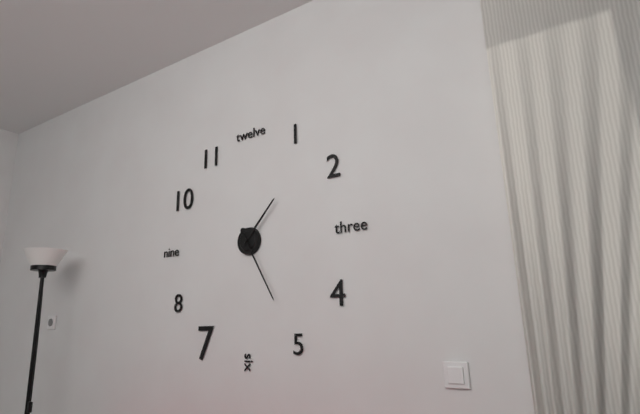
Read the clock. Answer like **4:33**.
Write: **1:25**
